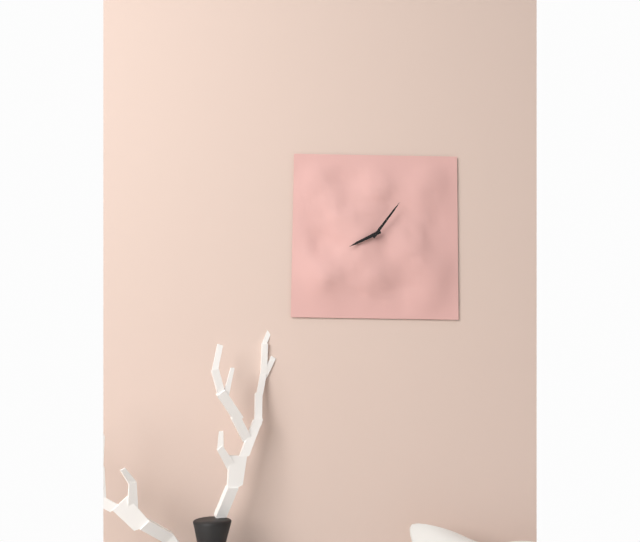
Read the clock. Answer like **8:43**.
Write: **8:06**
